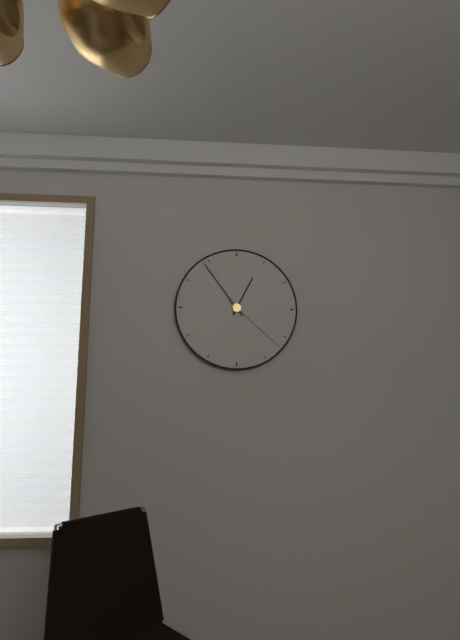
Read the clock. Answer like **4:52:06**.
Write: **12:54:22**
